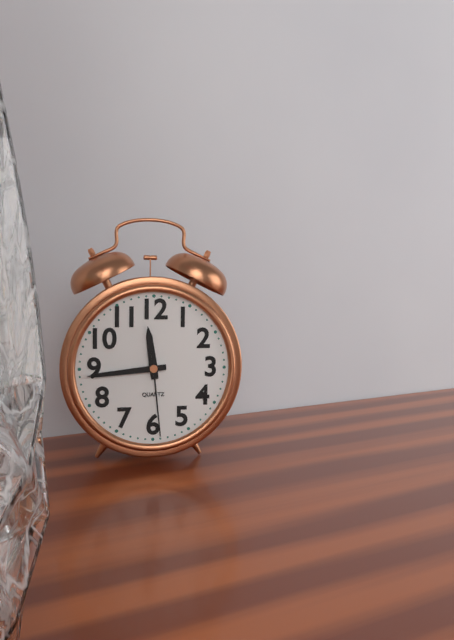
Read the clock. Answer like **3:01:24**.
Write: **11:44:29**
